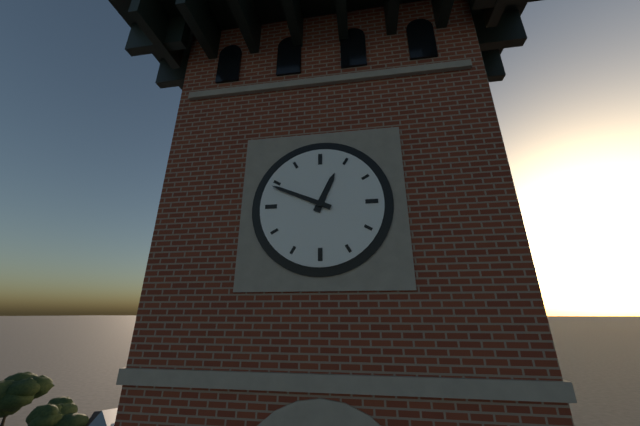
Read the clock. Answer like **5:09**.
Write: **12:49**
